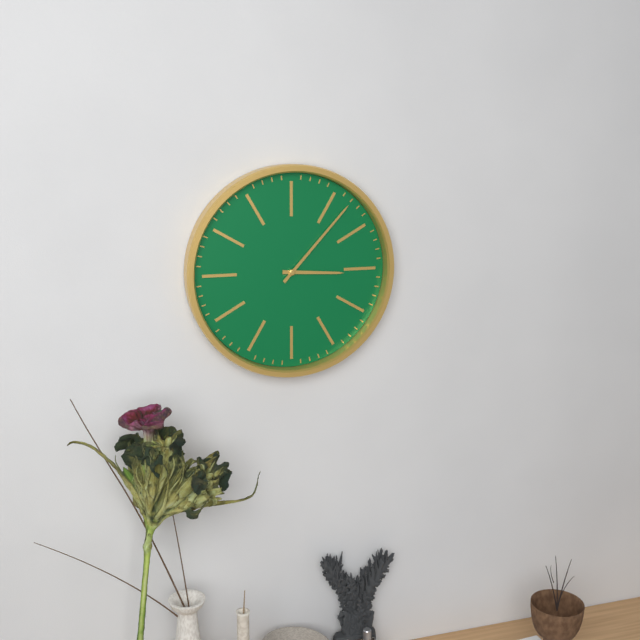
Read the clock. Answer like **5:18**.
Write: **3:07**
